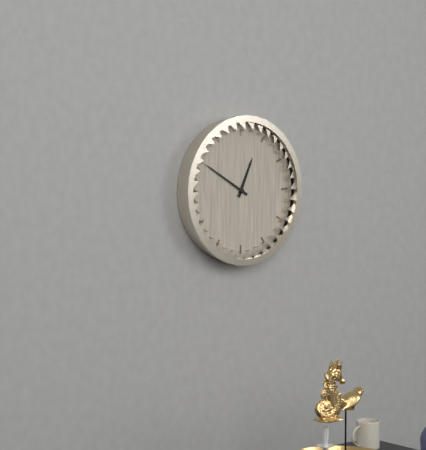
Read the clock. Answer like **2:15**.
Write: **12:50**
